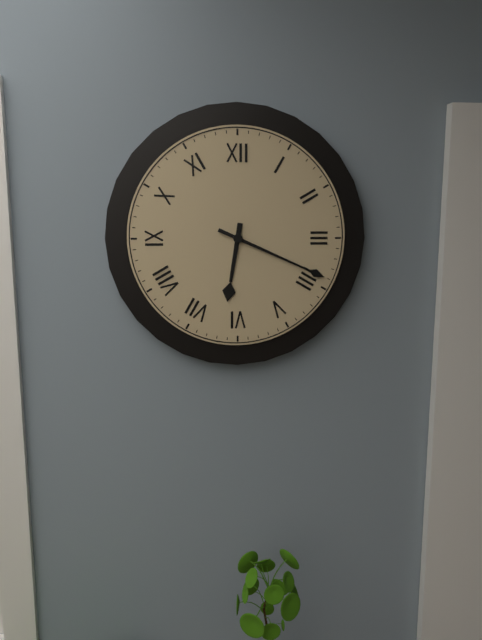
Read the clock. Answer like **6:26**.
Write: **6:19**
